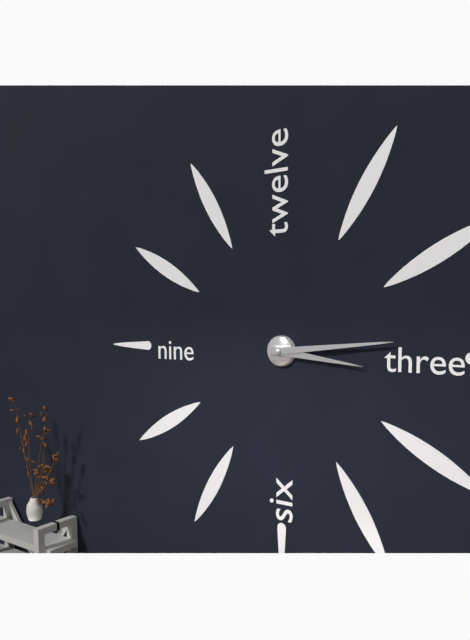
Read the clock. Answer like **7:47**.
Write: **3:14**
